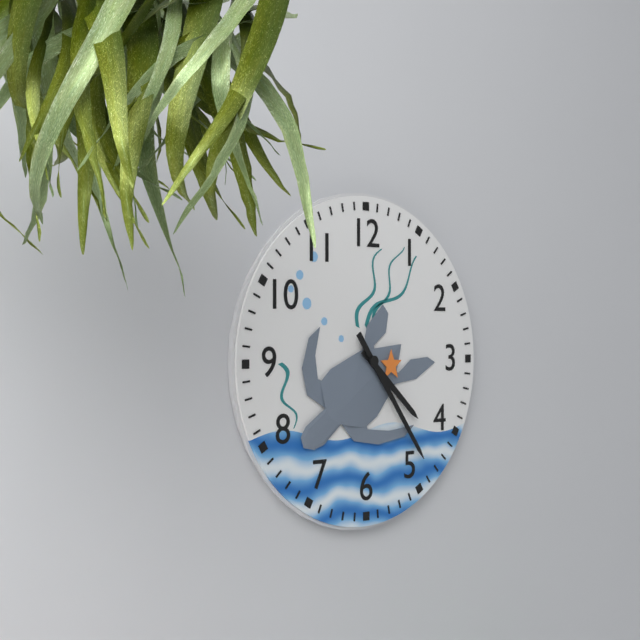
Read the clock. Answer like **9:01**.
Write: **4:24**
